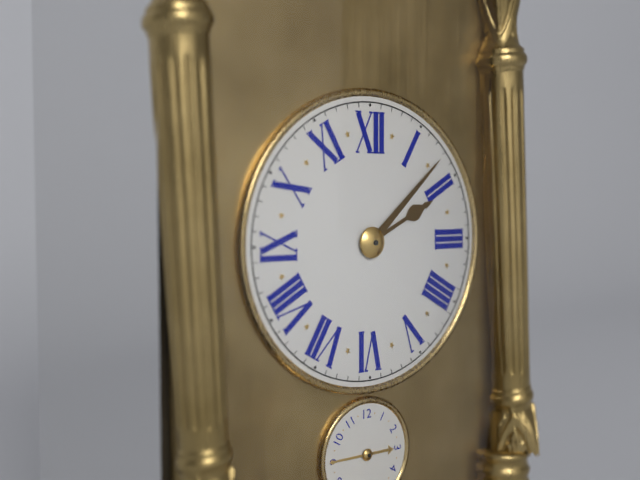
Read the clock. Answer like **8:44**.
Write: **2:08**
